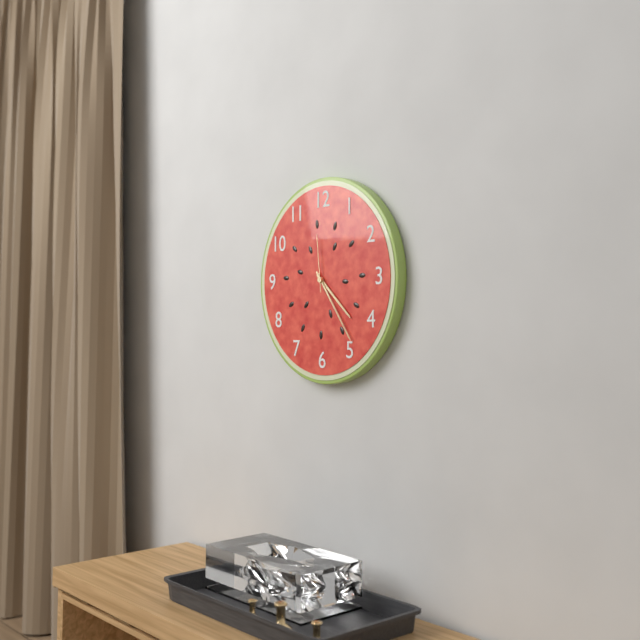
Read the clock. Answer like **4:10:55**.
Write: **4:24:59**
